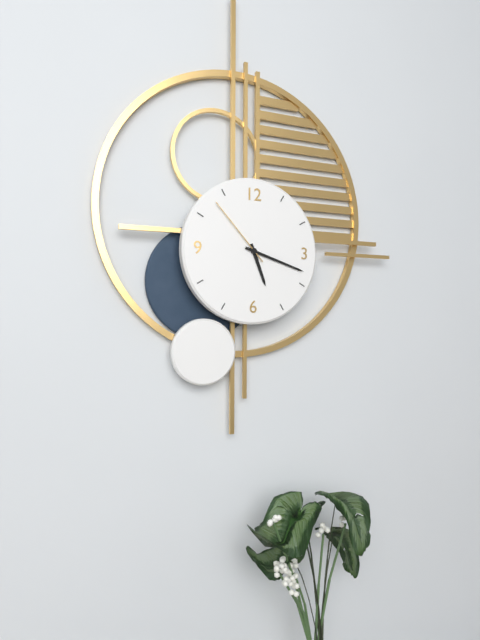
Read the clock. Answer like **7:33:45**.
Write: **5:18:53**
